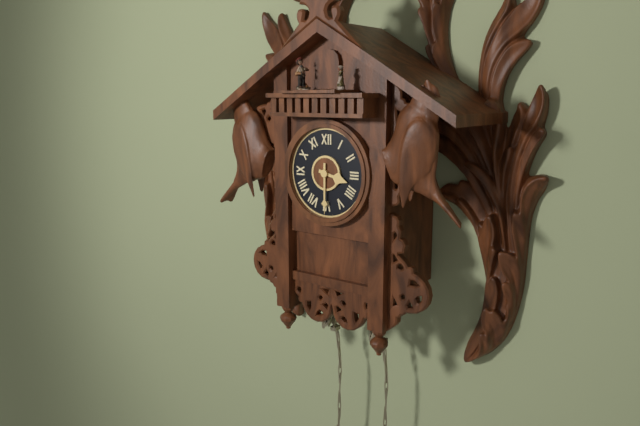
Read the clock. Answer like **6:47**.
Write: **3:30**
